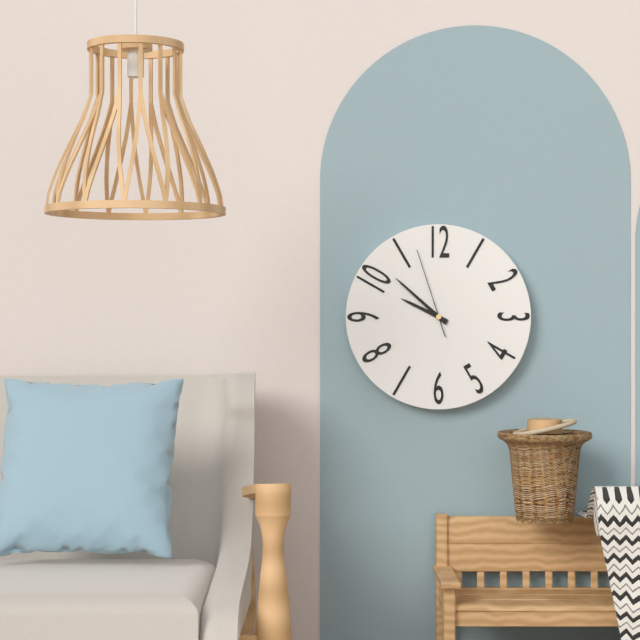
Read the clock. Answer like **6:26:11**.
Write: **9:52:57**
